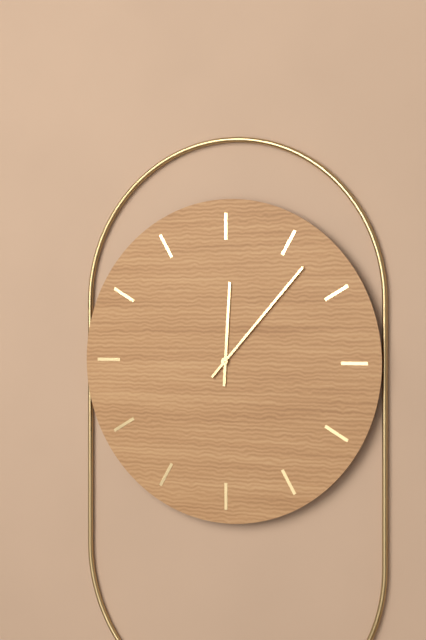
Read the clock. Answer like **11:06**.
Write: **12:07**
